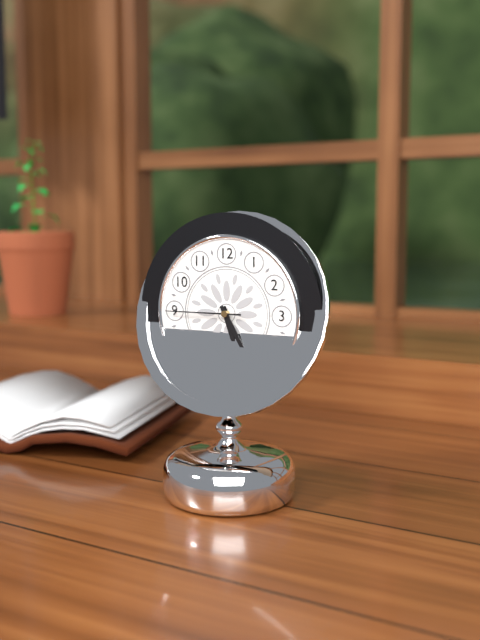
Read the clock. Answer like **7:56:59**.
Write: **5:25:45**
